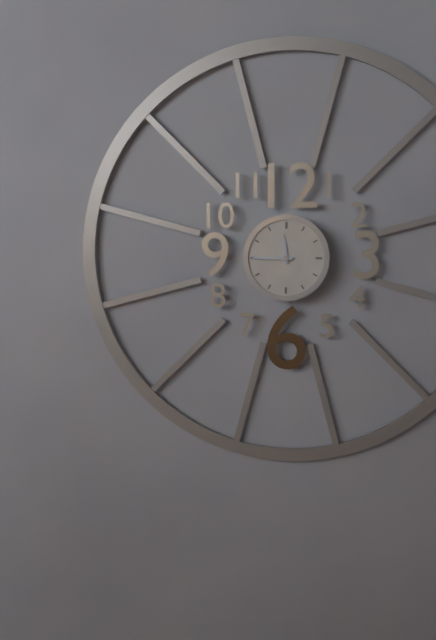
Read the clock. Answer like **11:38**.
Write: **11:45**
